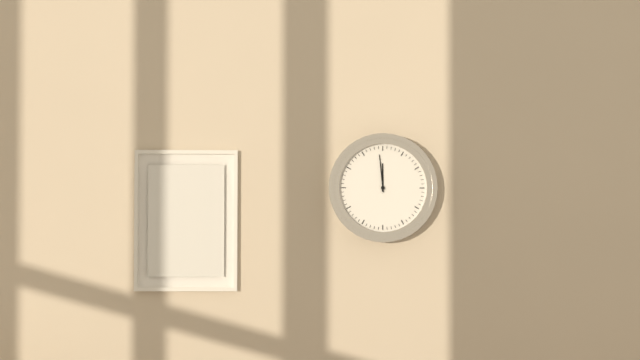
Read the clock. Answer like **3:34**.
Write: **11:59**
